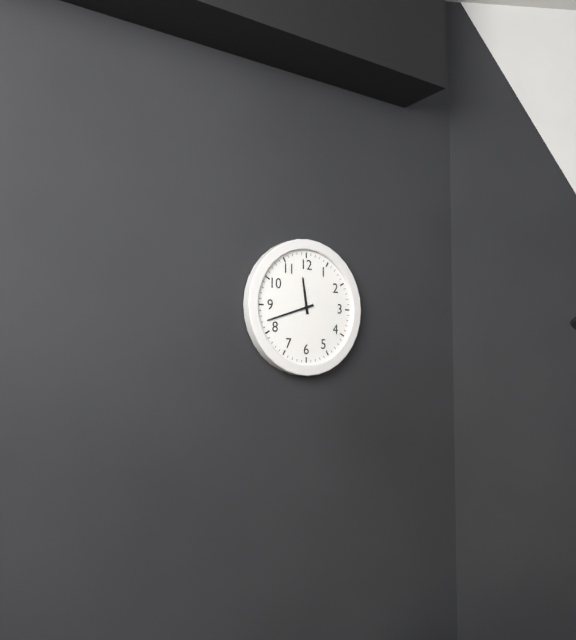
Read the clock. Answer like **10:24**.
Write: **11:42**
